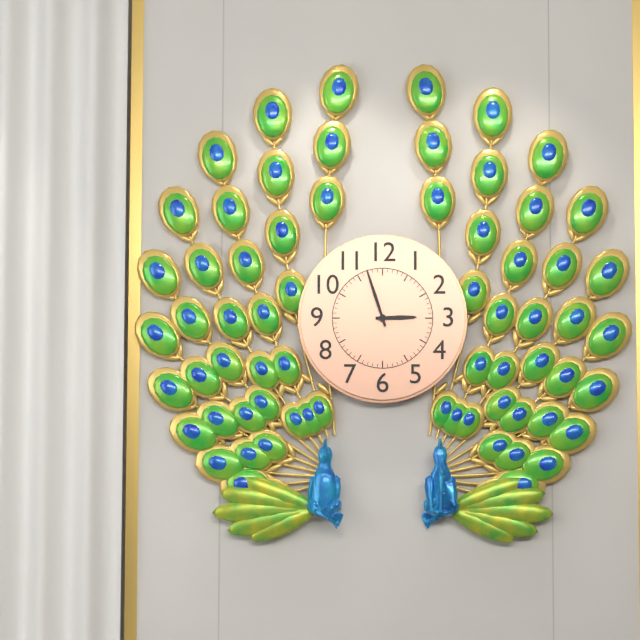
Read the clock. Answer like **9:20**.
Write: **2:57**
